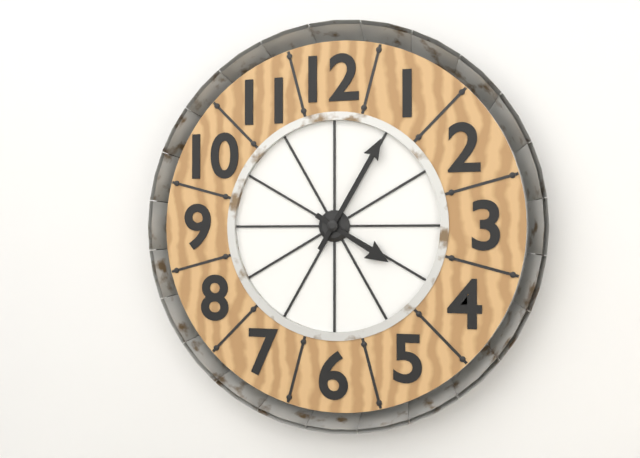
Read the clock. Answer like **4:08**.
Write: **4:05**
